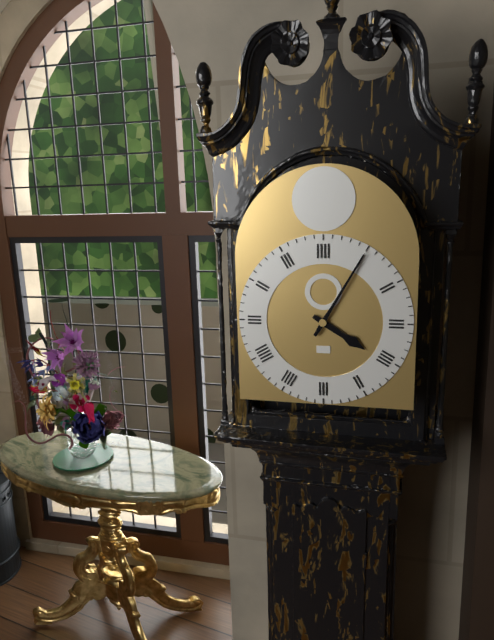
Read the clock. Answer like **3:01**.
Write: **4:05**
